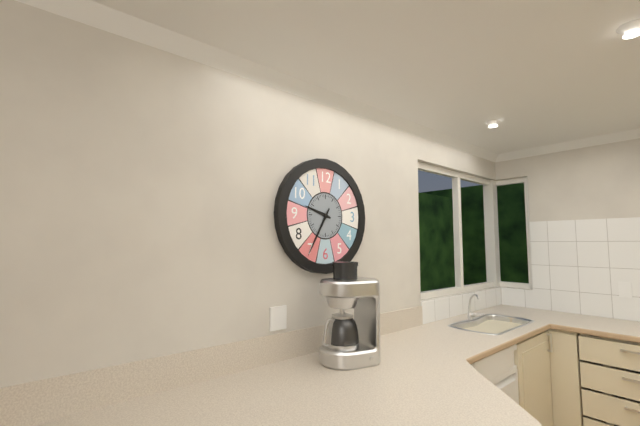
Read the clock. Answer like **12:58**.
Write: **9:35**
